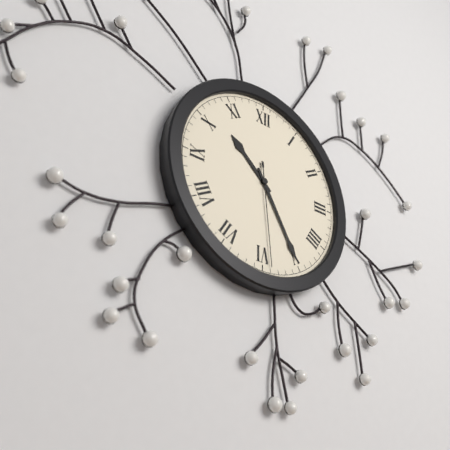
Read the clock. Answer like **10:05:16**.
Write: **10:25:29**
